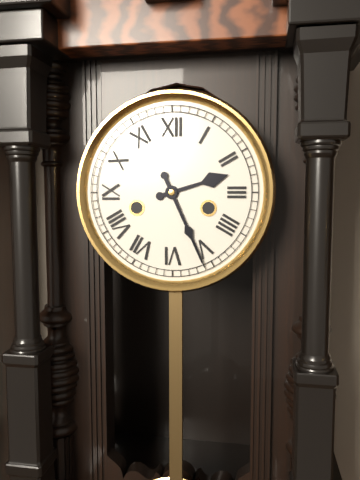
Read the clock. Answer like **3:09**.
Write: **2:26**
